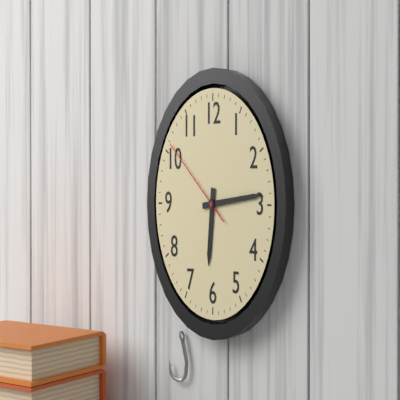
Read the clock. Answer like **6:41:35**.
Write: **6:14:51**
